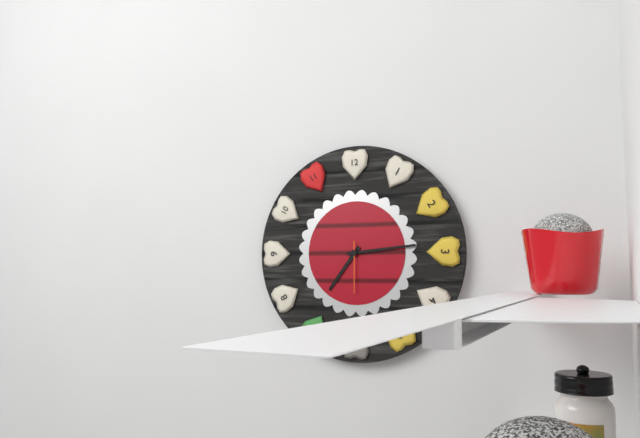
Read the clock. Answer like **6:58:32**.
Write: **7:14:30**
